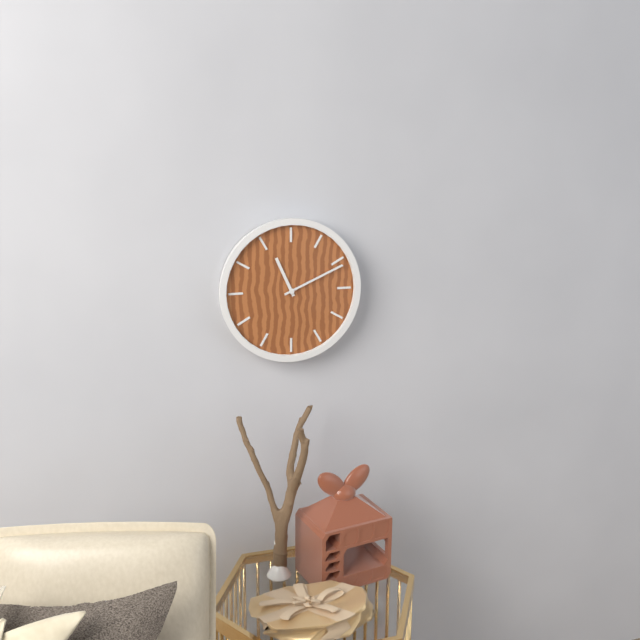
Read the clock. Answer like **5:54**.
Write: **11:11**
